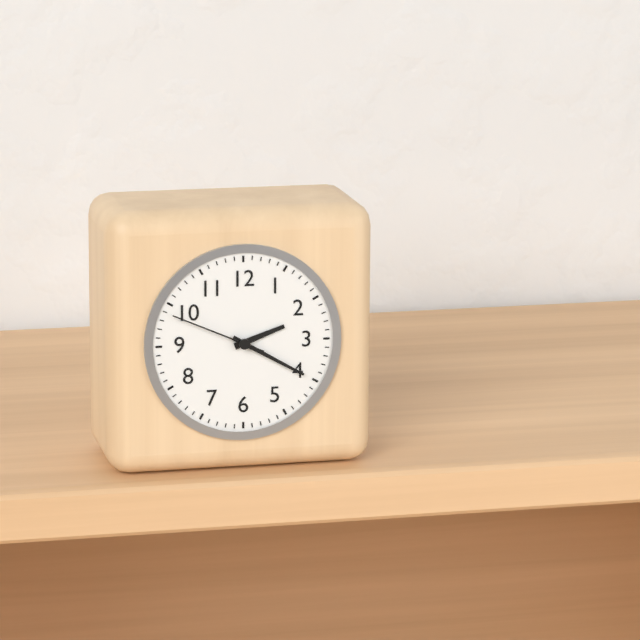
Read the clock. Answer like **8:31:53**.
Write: **2:20:49**
